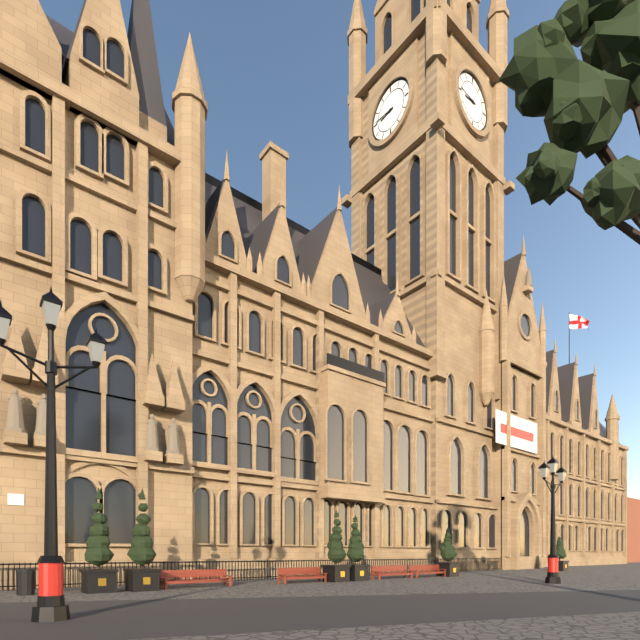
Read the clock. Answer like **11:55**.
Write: **8:46**
